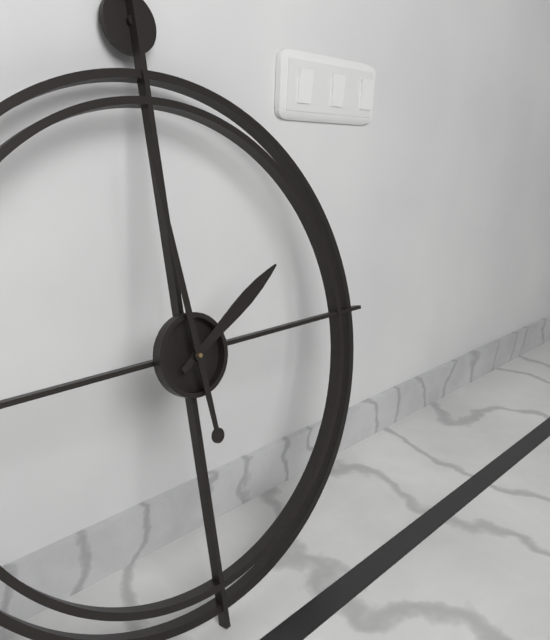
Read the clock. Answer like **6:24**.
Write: **1:59**
